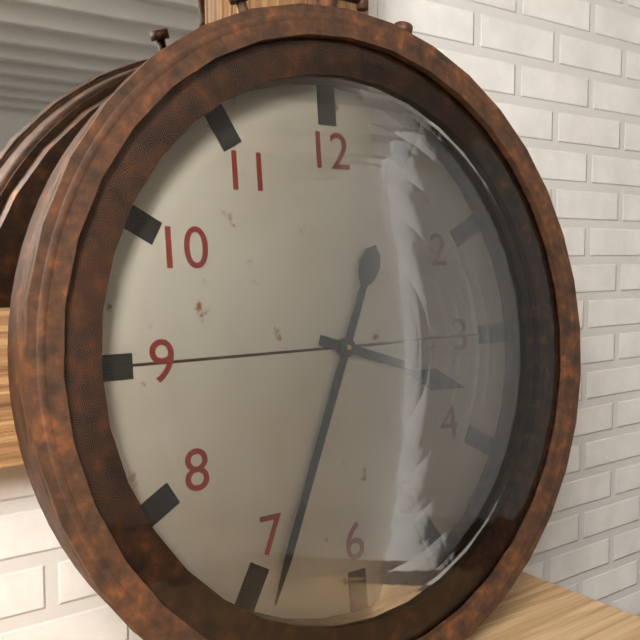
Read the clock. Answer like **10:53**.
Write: **3:34**
